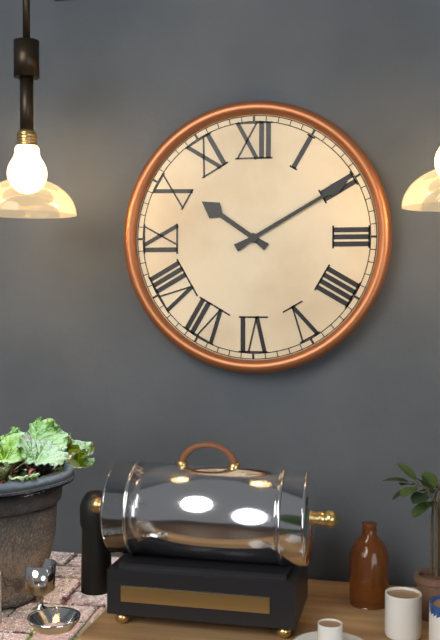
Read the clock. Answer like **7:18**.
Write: **10:10**
